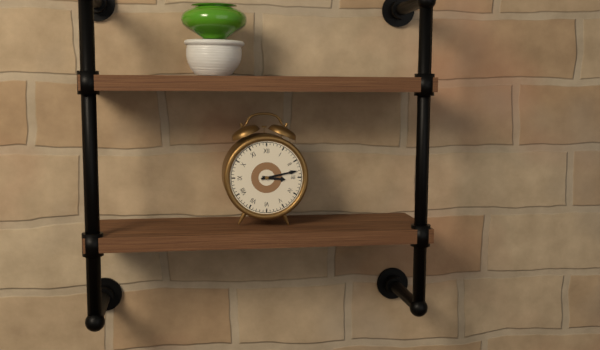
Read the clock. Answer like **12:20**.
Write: **3:13**
